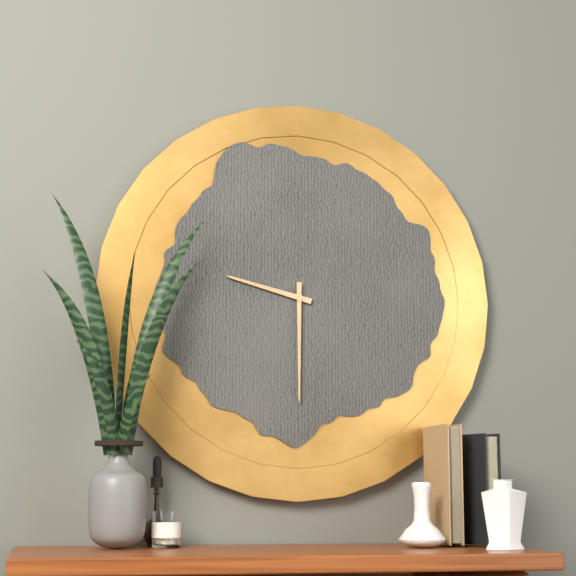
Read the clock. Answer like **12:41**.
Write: **9:30**
